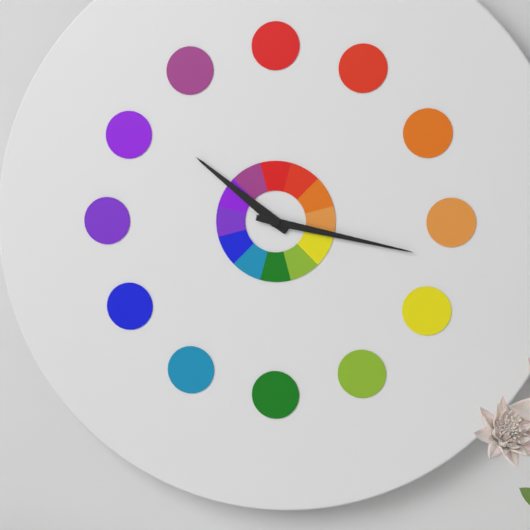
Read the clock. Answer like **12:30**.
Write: **10:17**
